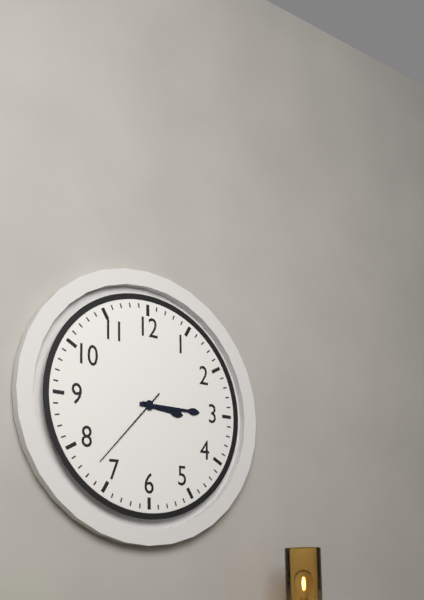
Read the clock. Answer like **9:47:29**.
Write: **3:15:37**
